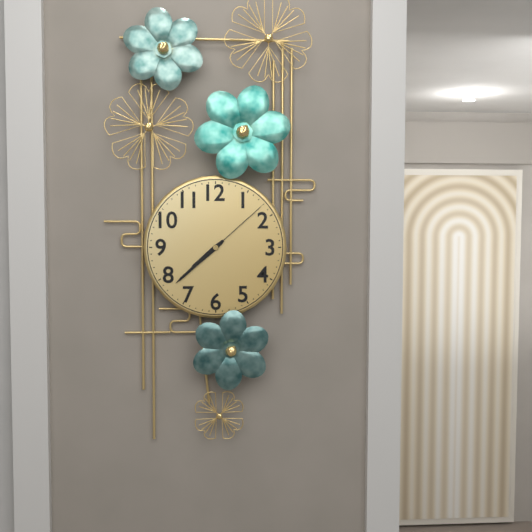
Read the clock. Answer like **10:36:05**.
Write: **7:38:08**
